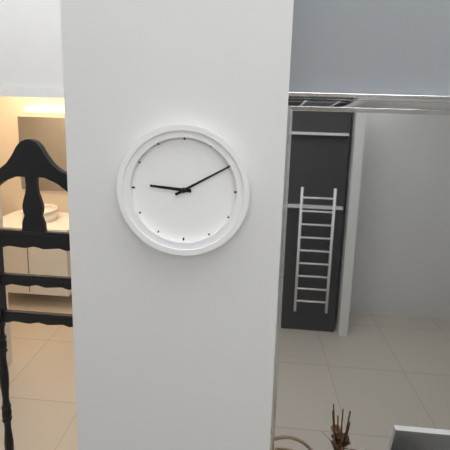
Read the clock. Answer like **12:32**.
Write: **9:10**
